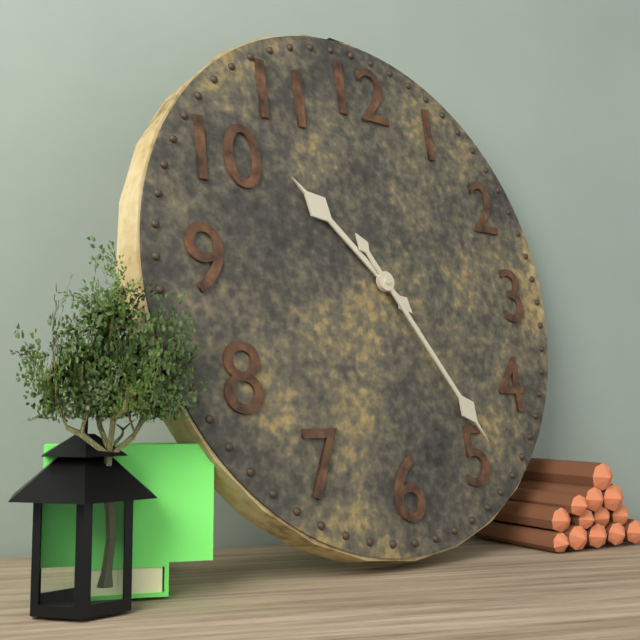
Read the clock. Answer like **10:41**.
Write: **10:24**
